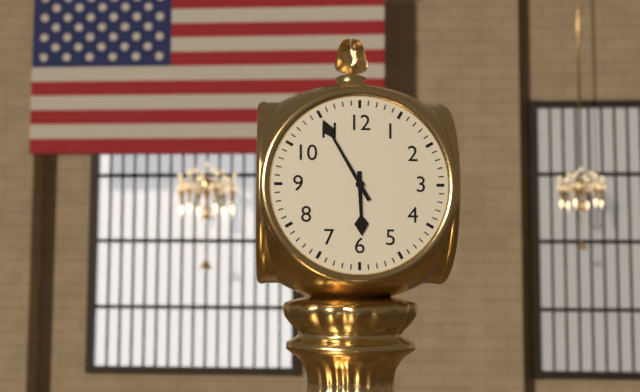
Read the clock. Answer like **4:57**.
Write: **5:55**
